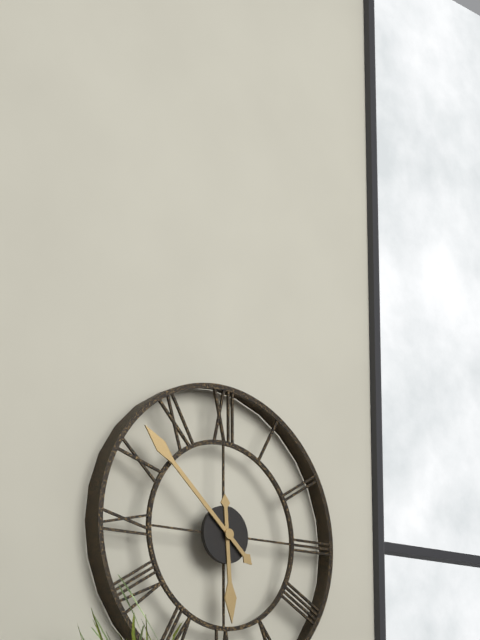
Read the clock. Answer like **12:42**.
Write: **5:52**
